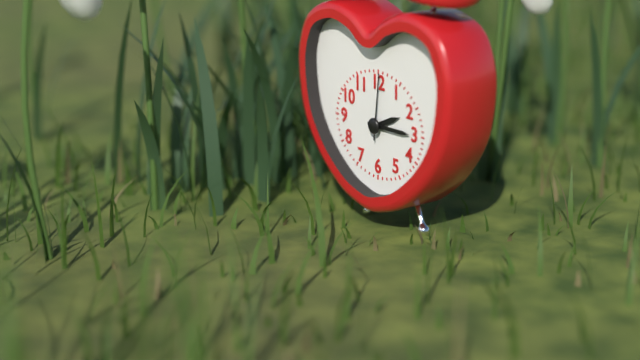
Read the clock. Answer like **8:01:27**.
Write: **2:15:01**
